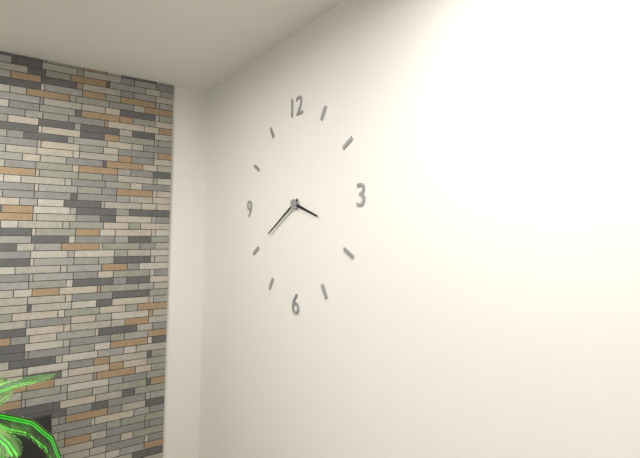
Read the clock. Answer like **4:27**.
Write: **3:40**
